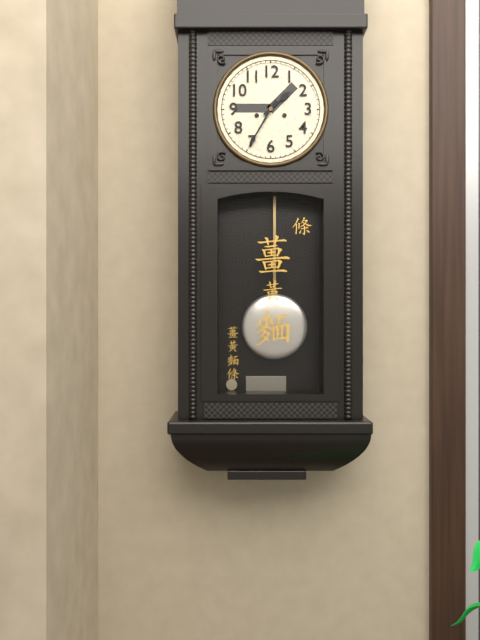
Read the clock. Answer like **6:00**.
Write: **1:35**
